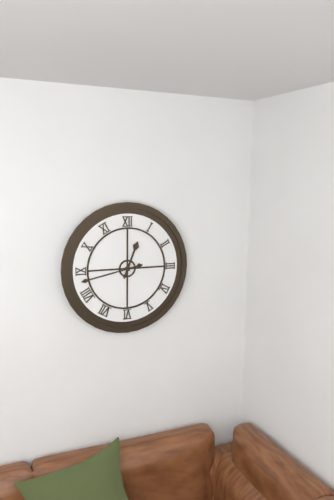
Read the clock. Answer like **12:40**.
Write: **12:43**
